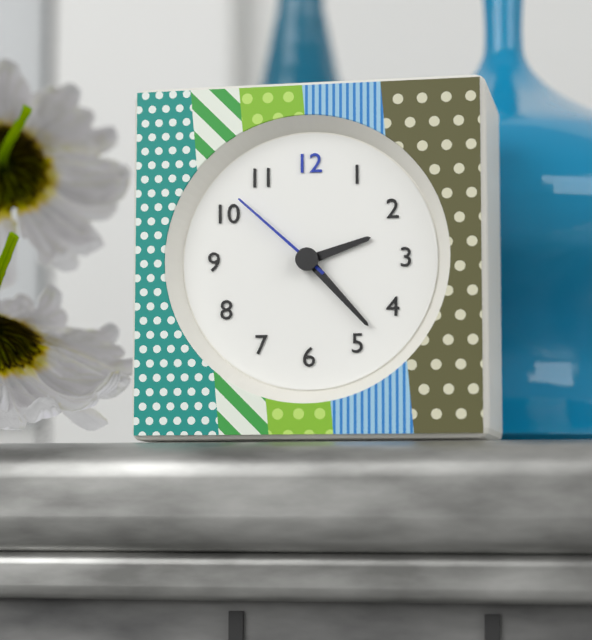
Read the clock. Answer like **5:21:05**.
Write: **2:23:52**
